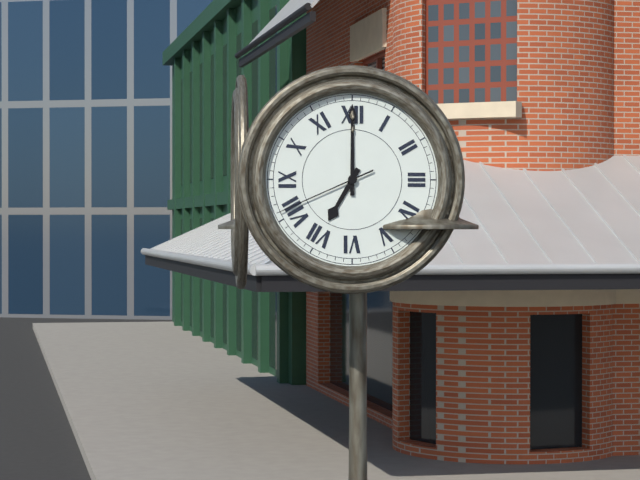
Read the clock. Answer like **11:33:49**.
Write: **7:00:41**
